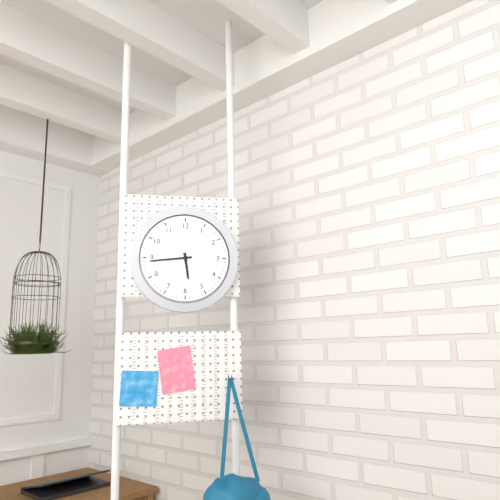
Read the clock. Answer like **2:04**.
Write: **5:44**
